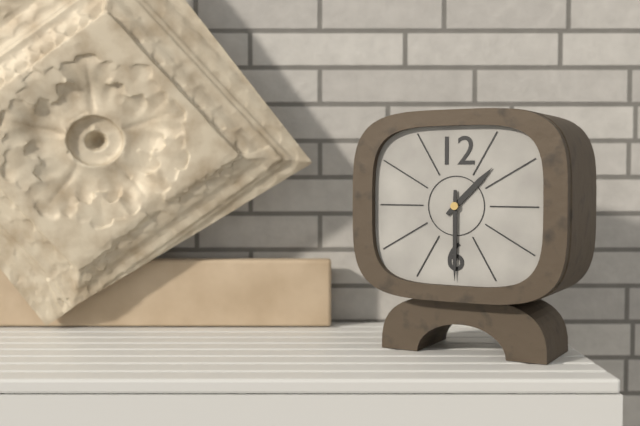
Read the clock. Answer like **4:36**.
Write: **1:30**
